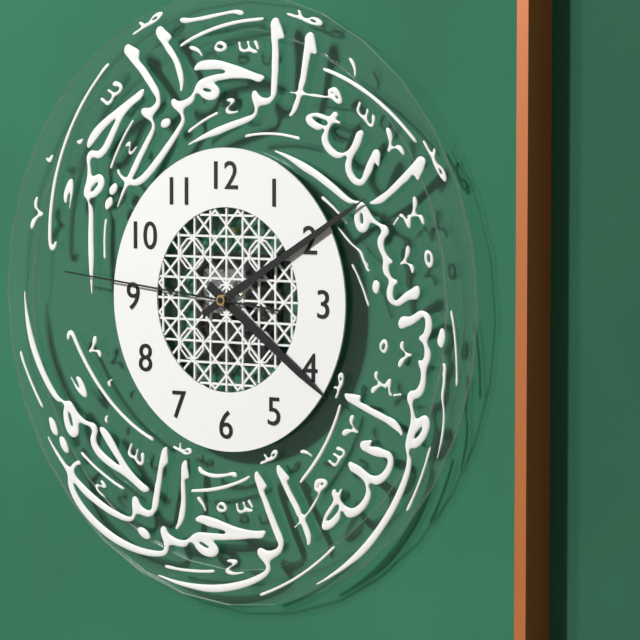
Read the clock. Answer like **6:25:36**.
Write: **4:10:46**
